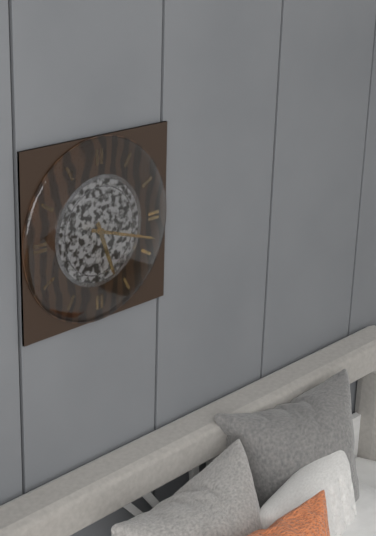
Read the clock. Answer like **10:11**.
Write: **5:18**
